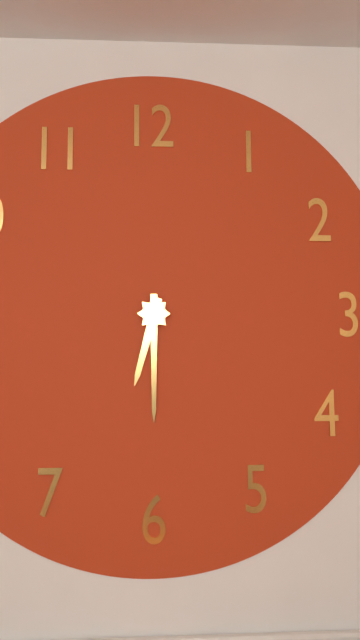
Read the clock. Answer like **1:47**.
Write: **6:30**
